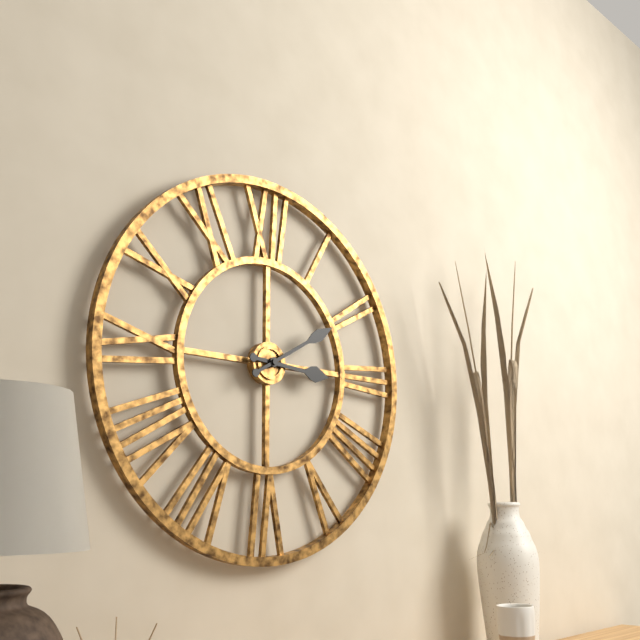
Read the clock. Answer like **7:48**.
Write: **3:10**
